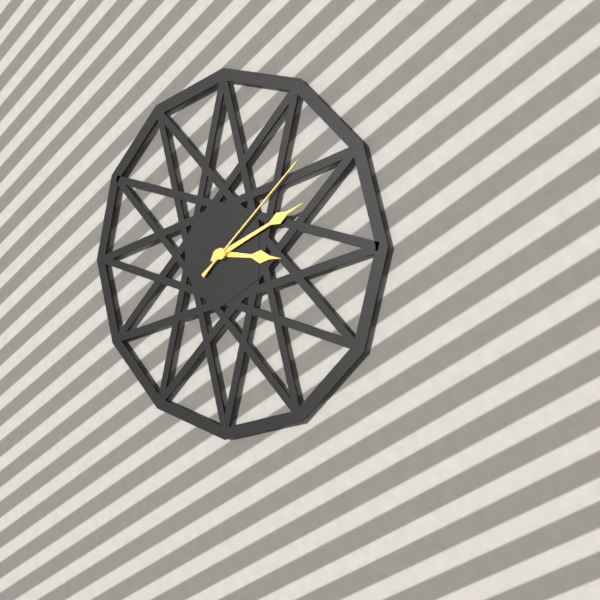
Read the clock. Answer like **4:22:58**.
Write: **3:11:08**
